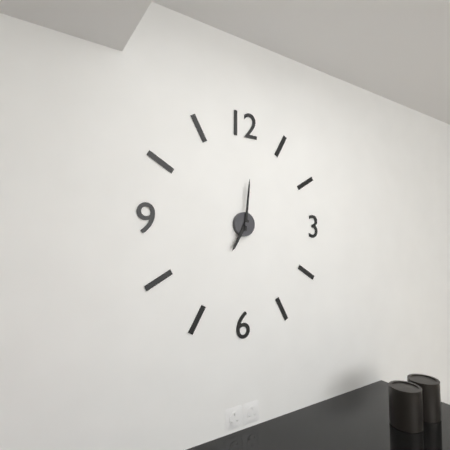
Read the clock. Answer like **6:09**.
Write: **7:01**
